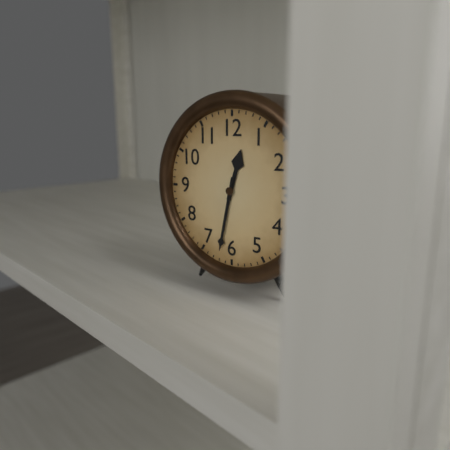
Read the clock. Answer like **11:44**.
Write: **12:32**
